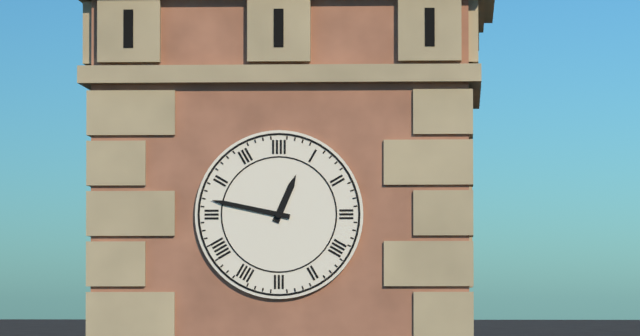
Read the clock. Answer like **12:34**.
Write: **12:47**
